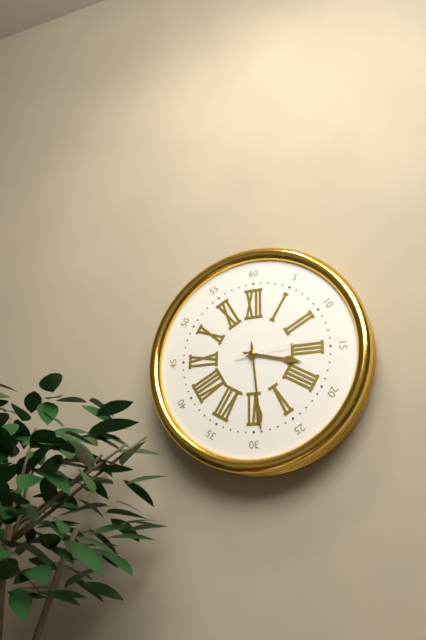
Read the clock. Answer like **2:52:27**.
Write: **3:29:14**
